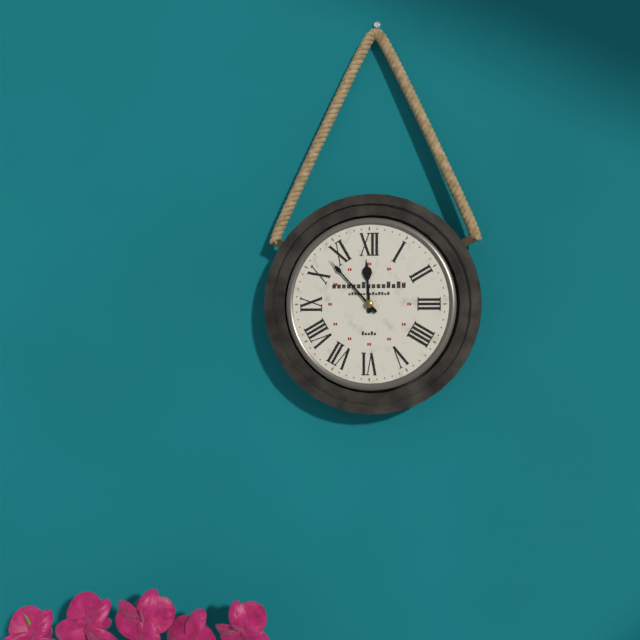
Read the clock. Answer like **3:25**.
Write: **11:53**
